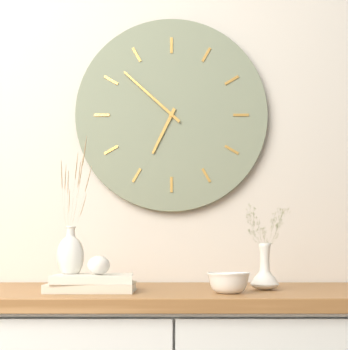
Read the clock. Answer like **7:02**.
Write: **6:52**
